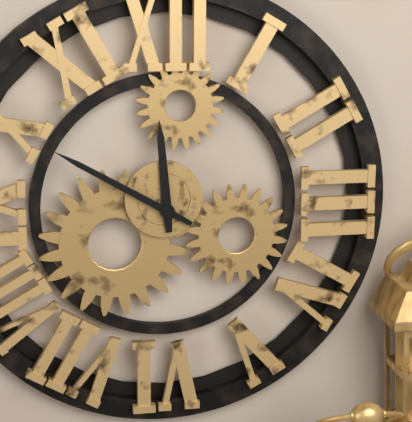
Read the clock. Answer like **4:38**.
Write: **11:50**
